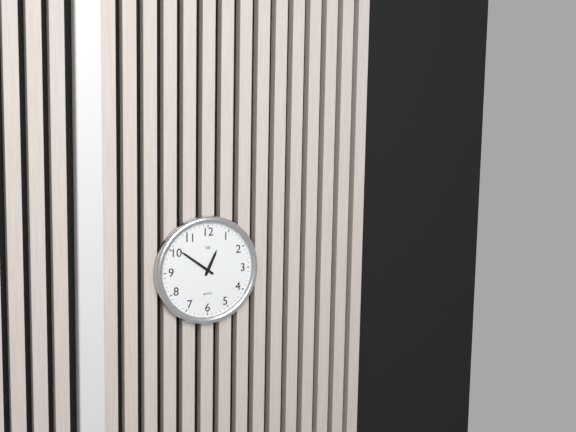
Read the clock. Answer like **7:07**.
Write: **12:51**
